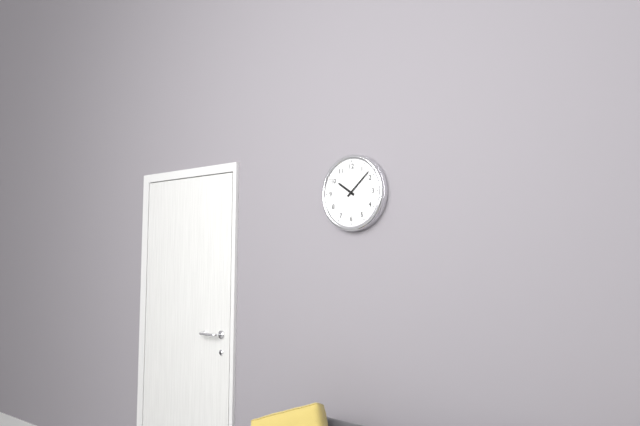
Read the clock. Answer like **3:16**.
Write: **10:08**
